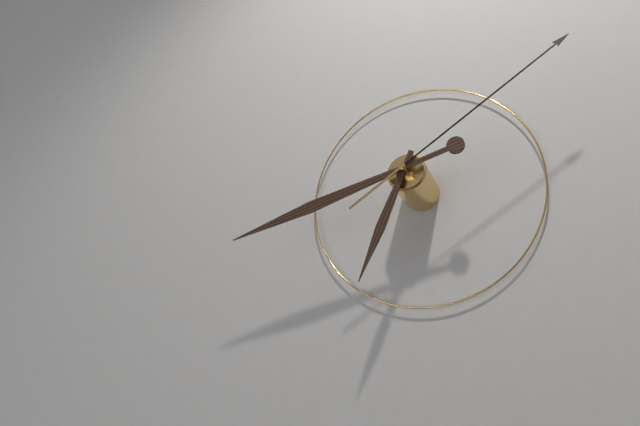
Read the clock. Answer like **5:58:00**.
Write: **6:42:09**
